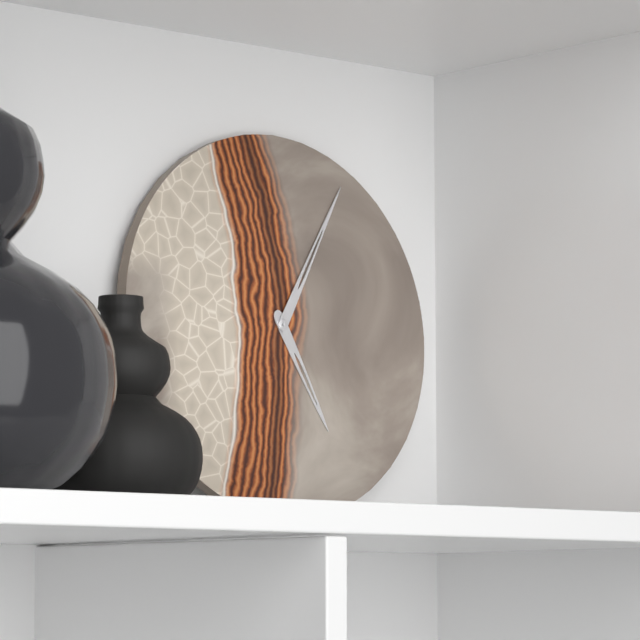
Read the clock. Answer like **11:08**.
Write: **5:05**
